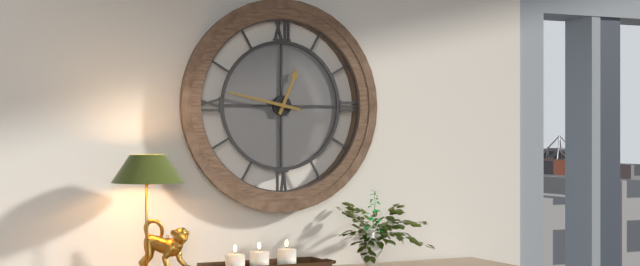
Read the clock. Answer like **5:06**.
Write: **12:47**
